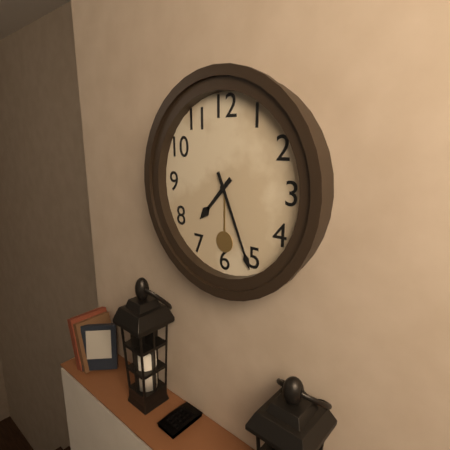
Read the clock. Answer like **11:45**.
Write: **7:26**
